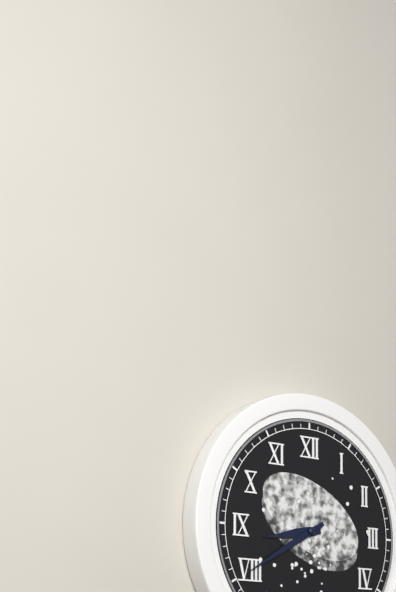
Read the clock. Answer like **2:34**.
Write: **8:40**
